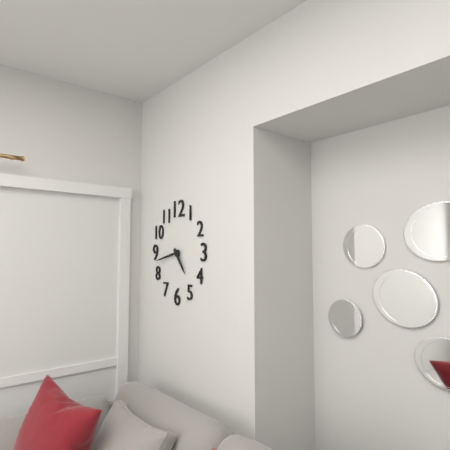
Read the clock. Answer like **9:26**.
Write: **4:43**
